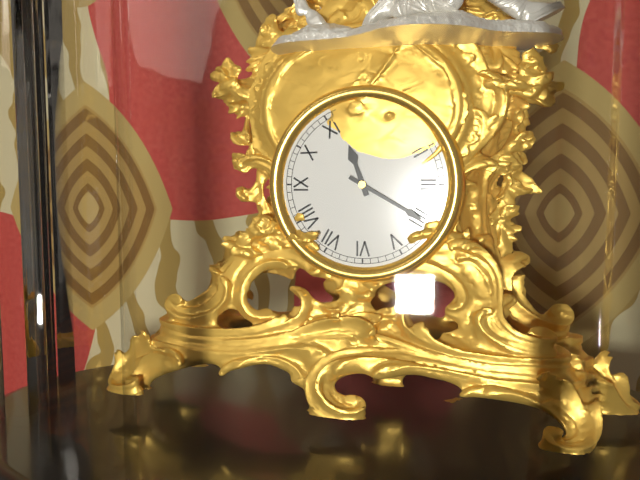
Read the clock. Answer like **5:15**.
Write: **11:20**
